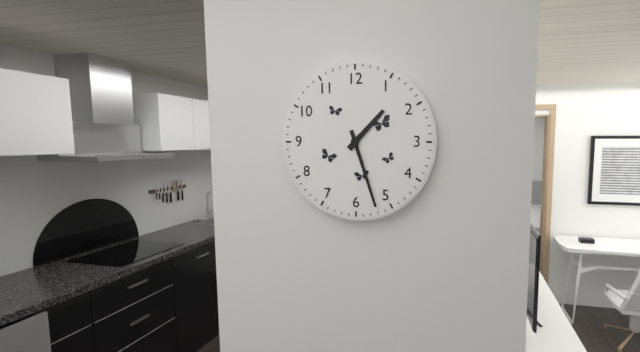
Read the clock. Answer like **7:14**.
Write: **1:27**
